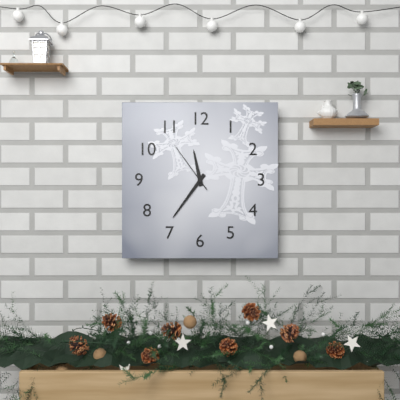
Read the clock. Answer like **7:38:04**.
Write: **11:36:54**
